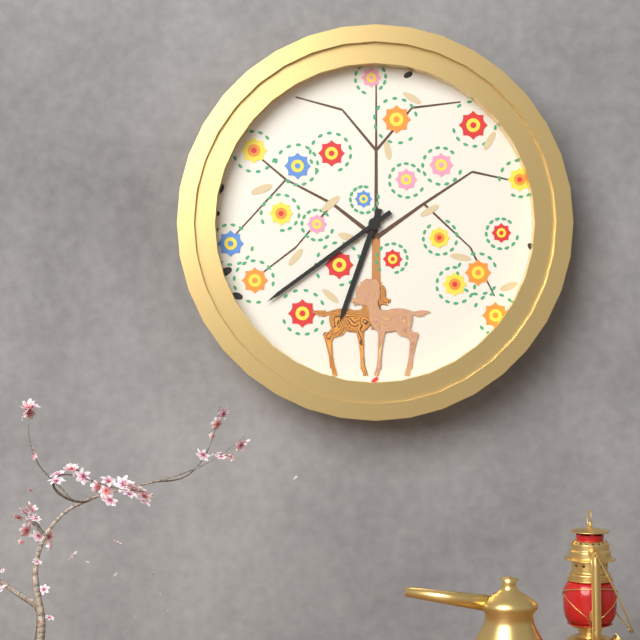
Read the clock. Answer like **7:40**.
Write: **6:39**
